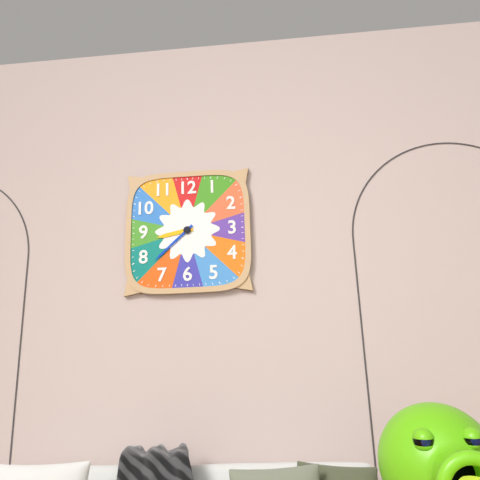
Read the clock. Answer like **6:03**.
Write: **8:38**
